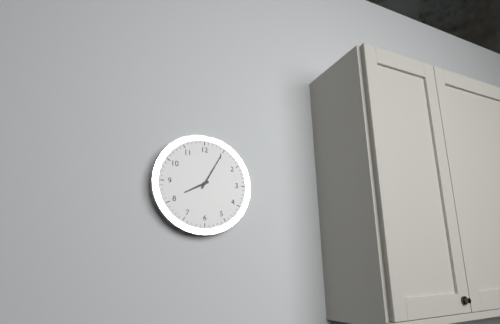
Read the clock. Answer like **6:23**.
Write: **8:05**
